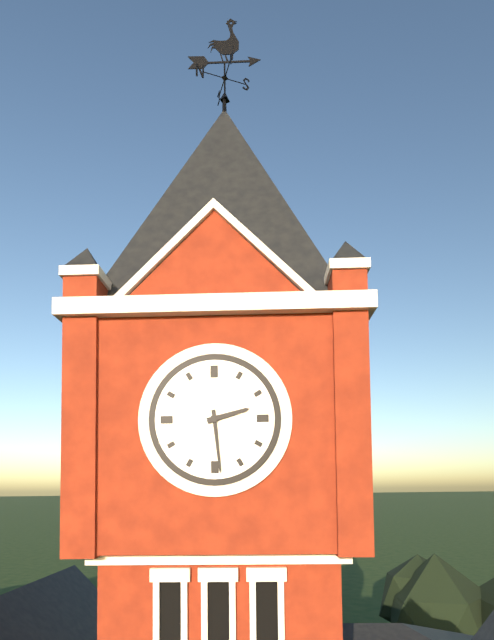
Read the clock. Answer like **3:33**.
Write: **2:29**
